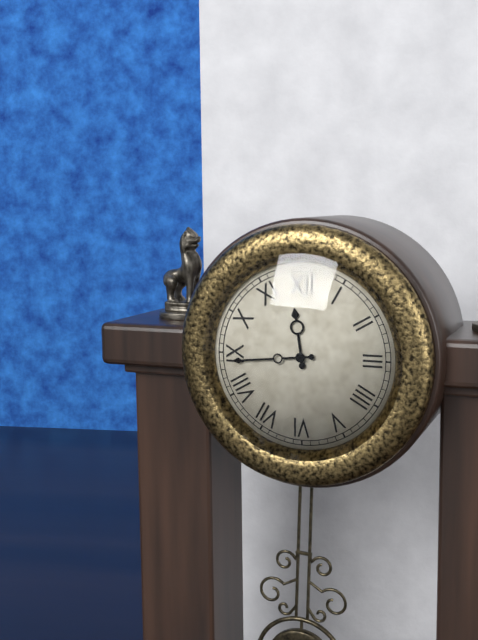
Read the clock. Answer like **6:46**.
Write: **11:44**
